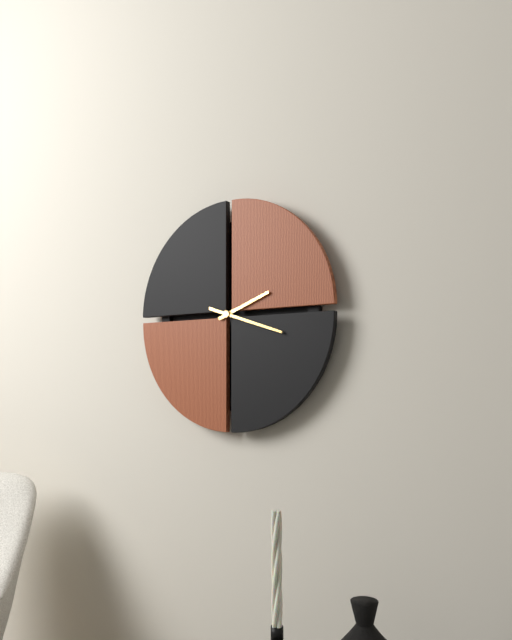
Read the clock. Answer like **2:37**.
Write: **2:18**
